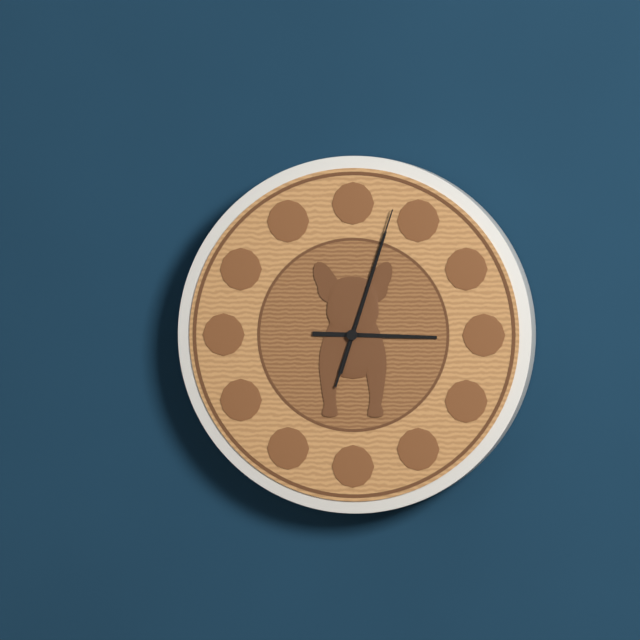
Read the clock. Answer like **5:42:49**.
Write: **3:03:03**
